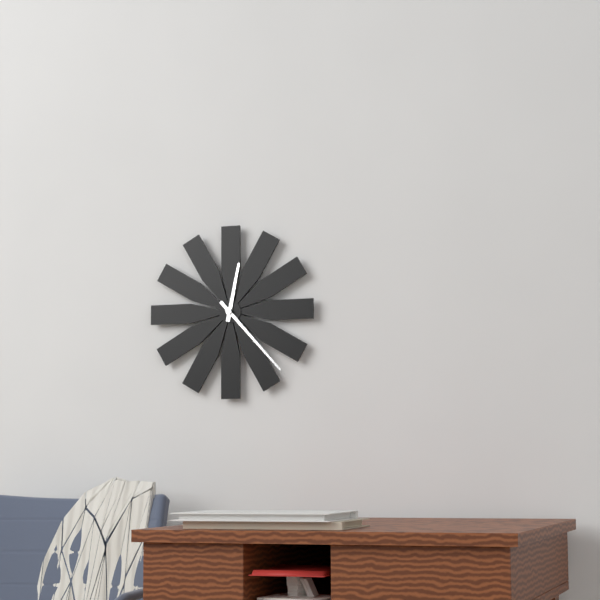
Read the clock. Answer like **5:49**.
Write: **12:23**
